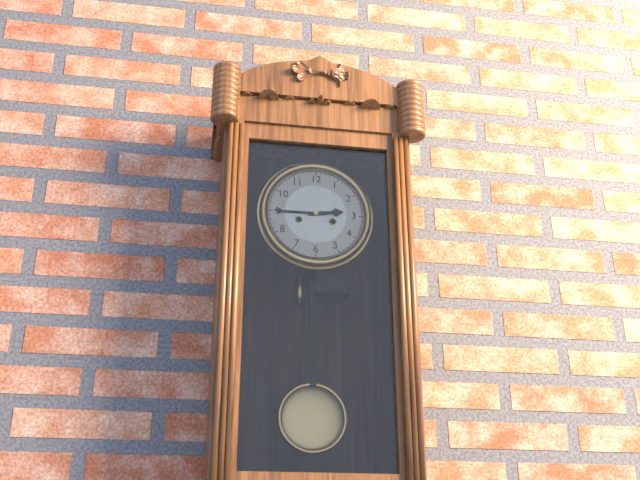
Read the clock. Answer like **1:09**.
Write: **2:45**
